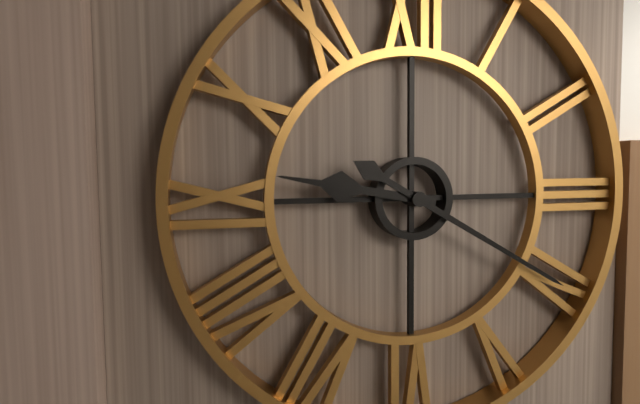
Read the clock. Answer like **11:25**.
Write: **9:20**
